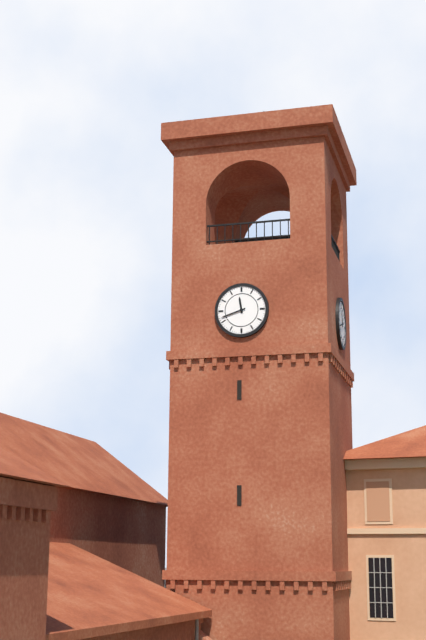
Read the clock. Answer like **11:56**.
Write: **11:42**
